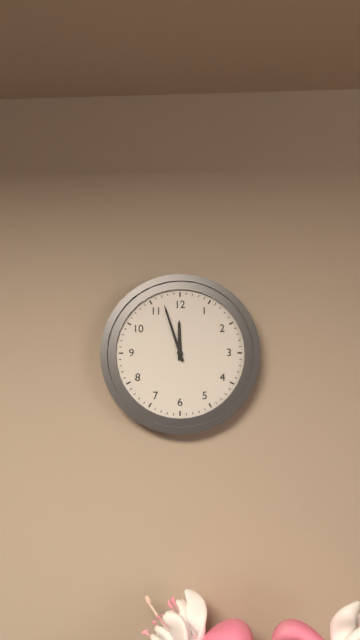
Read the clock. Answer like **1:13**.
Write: **11:57**
